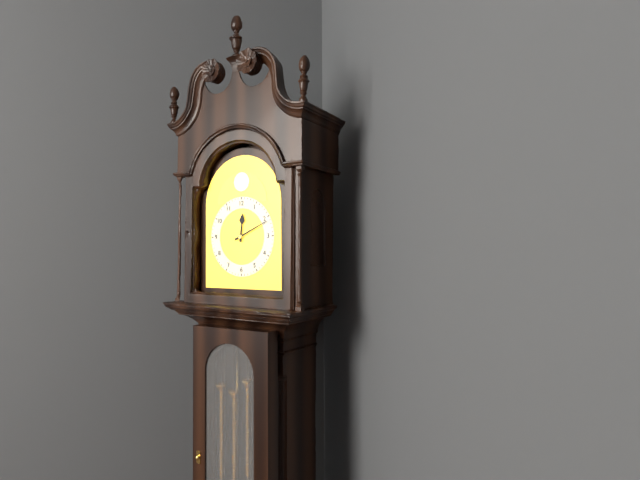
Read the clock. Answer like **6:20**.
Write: **12:11**
